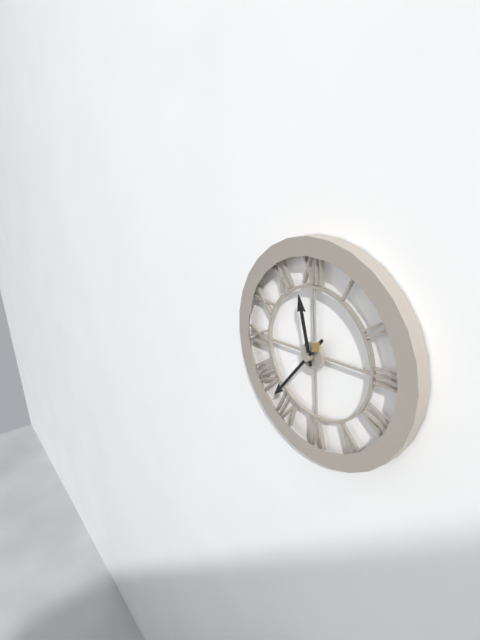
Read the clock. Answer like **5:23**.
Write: **11:37**
